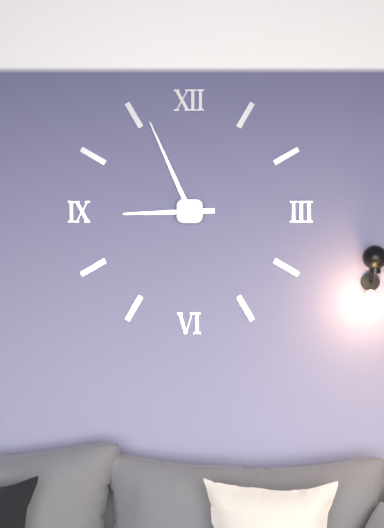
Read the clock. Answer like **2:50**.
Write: **8:56**
